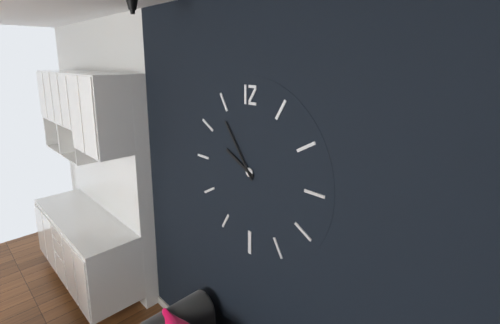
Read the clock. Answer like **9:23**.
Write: **9:54**
